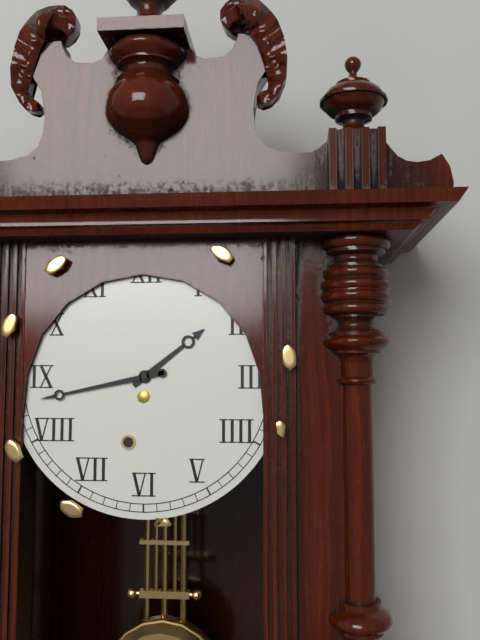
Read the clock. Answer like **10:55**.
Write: **1:43**
